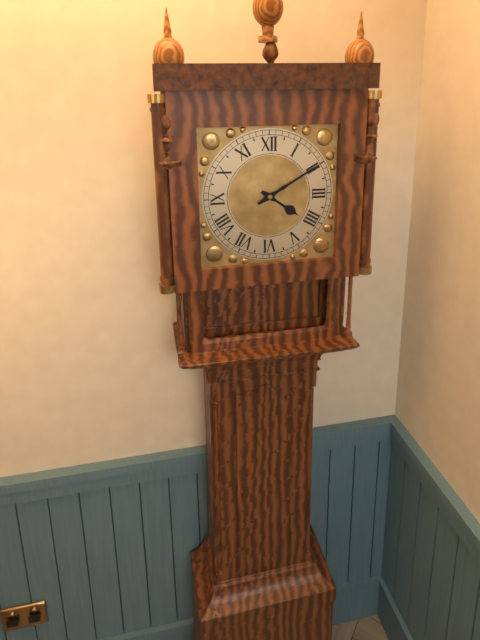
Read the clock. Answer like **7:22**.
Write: **4:10**
